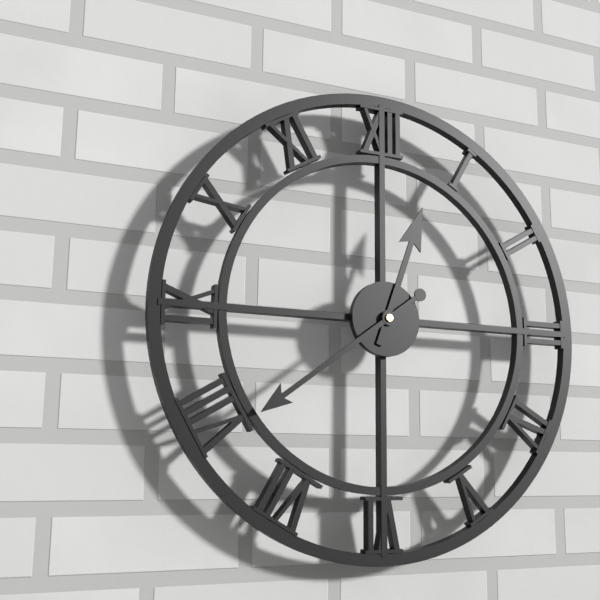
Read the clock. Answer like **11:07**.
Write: **12:39**
